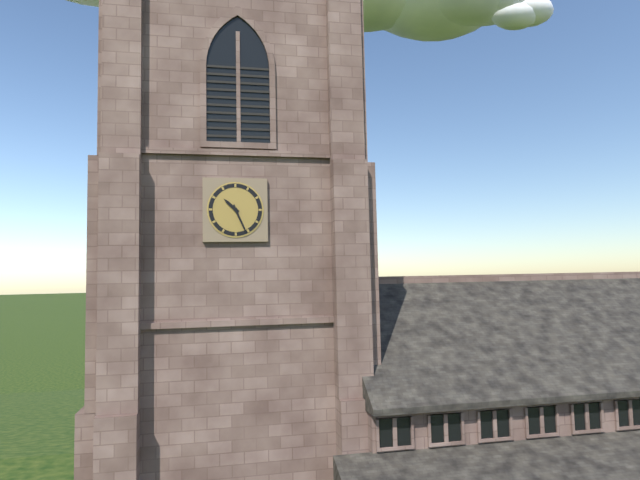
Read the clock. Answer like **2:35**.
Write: **10:26**
